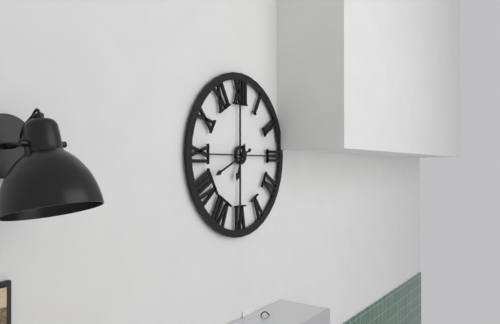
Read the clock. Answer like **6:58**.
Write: **6:41**
